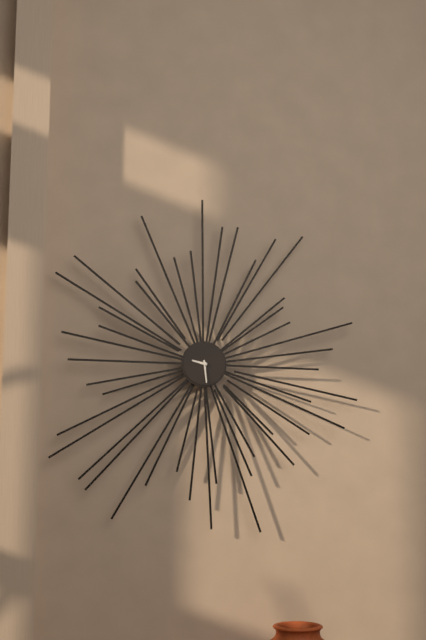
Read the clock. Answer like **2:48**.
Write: **9:29**
